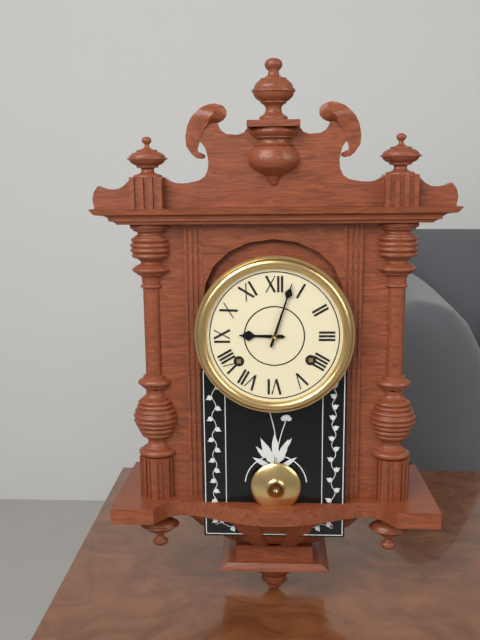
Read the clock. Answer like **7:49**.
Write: **9:03**
